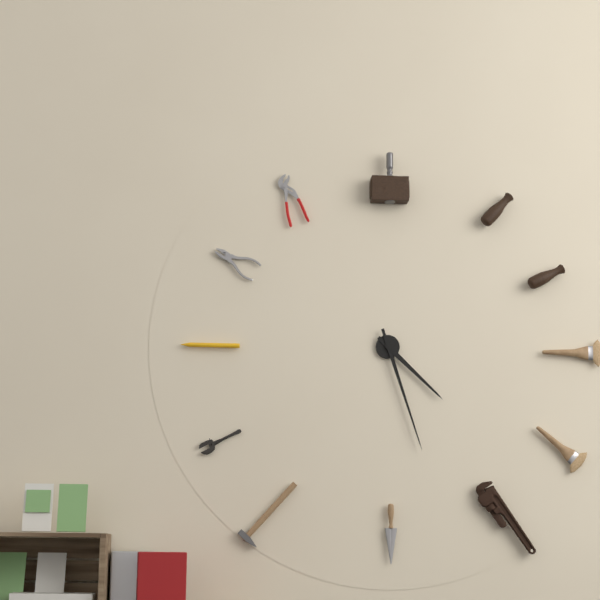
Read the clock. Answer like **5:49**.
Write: **4:27**
